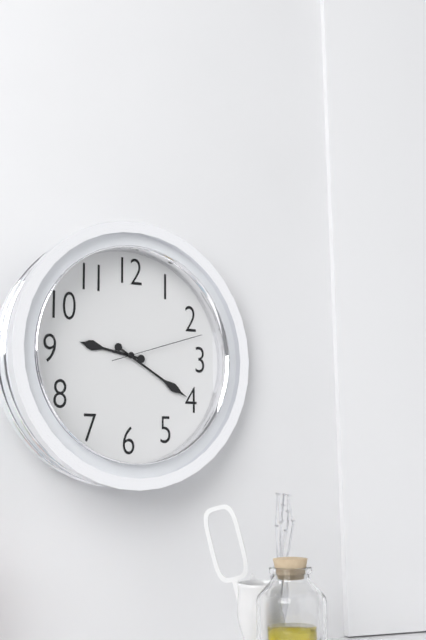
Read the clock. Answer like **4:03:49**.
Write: **9:20:12**
